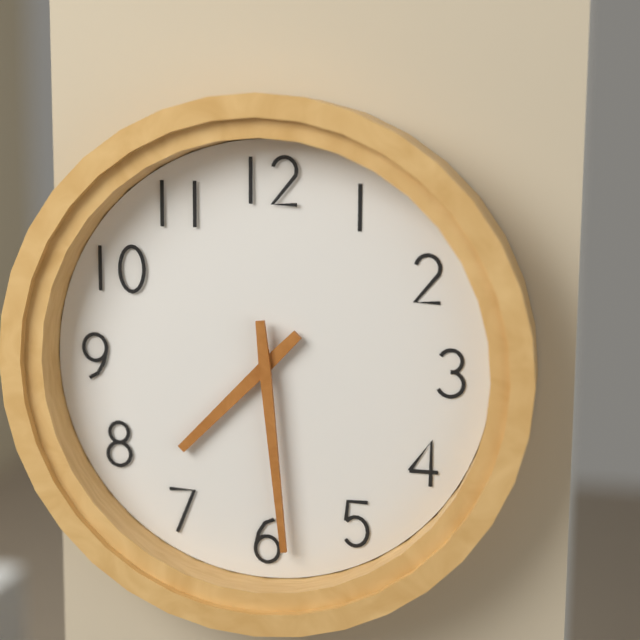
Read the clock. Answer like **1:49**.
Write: **7:29**
